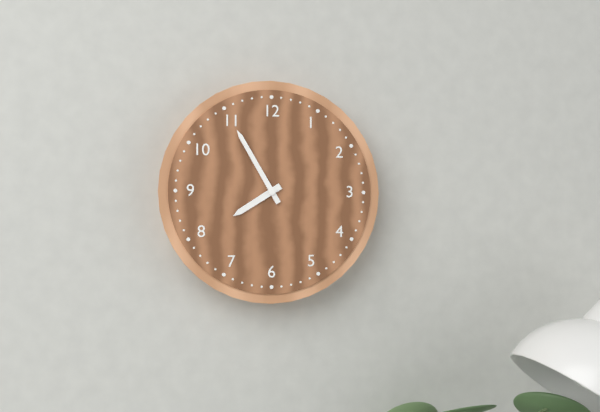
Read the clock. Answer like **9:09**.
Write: **7:55**
